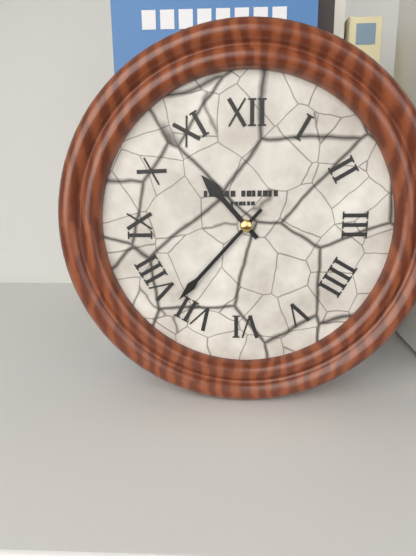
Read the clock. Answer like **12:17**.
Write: **10:37**
